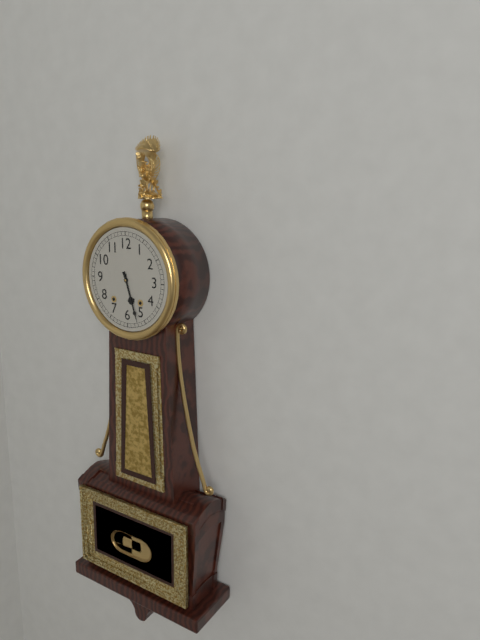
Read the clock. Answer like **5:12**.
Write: **5:27**
